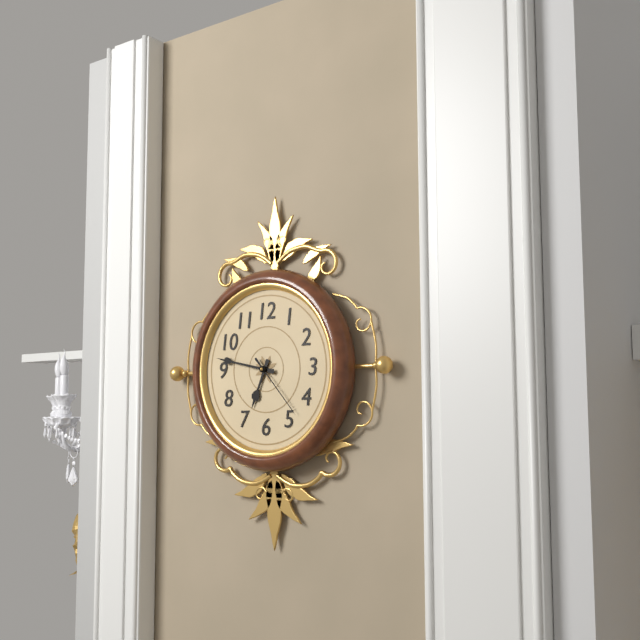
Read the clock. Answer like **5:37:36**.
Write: **6:47:23**
